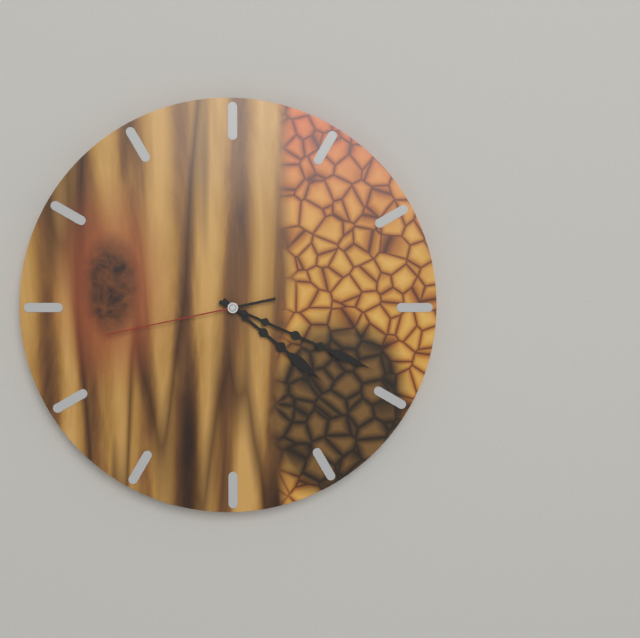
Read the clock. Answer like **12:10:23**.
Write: **4:19:43**
